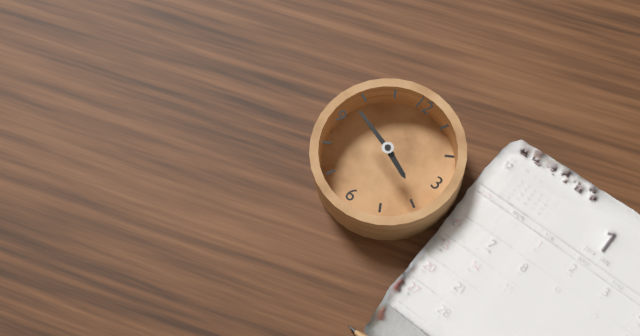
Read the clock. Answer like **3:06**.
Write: **3:48**
